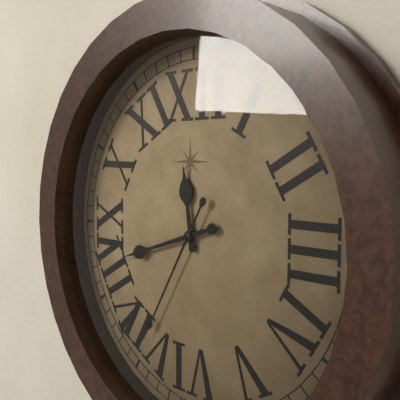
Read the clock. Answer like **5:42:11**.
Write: **11:42:35**
